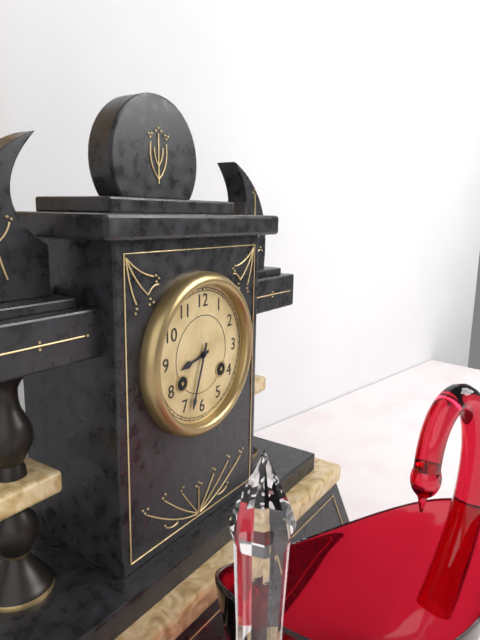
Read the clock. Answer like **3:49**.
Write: **8:33**
